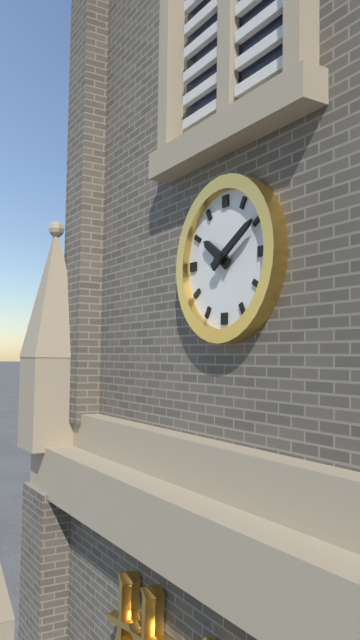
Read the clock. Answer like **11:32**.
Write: **10:10**
